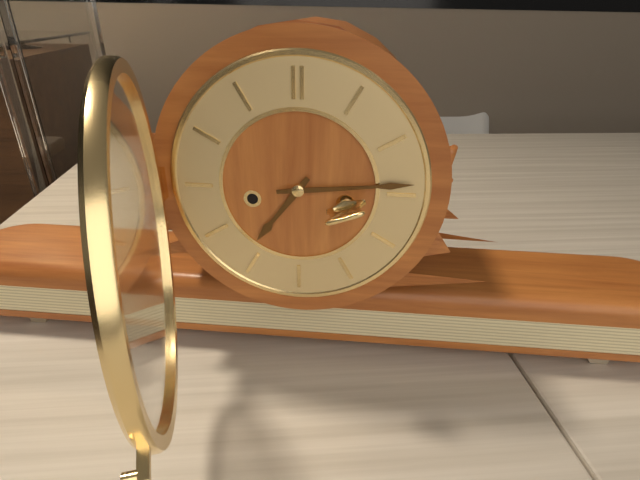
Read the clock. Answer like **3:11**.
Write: **7:14**
